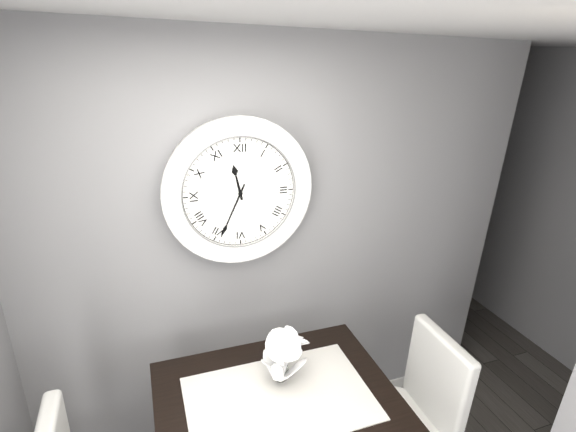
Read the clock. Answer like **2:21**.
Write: **11:34**
